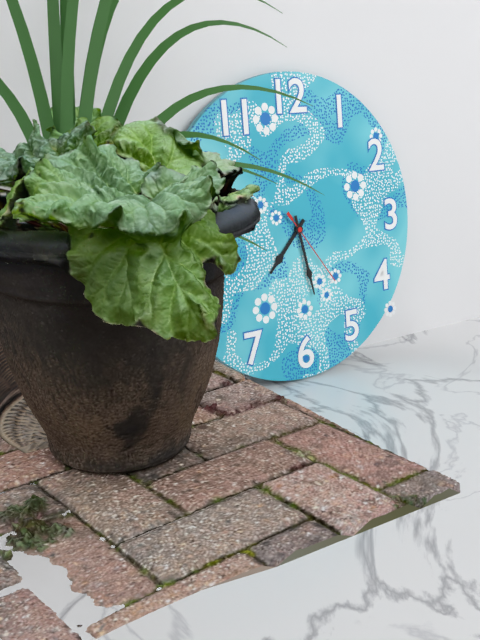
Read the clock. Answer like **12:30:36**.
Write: **7:28:24**
